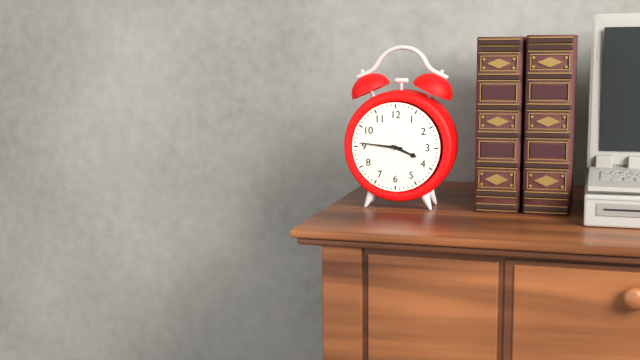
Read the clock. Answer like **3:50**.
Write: **3:46**
